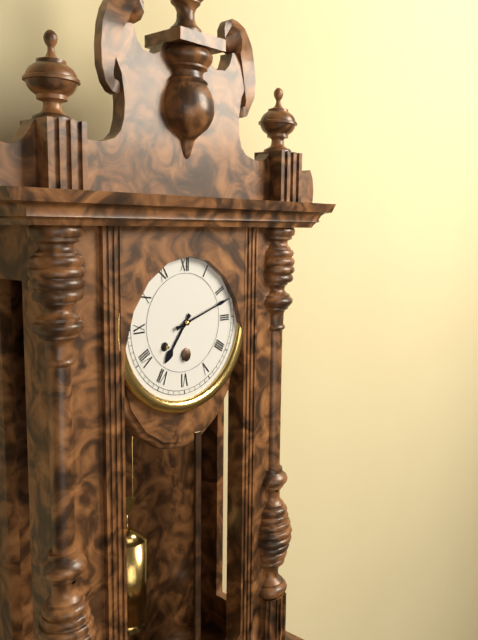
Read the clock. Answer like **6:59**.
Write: **7:12**
